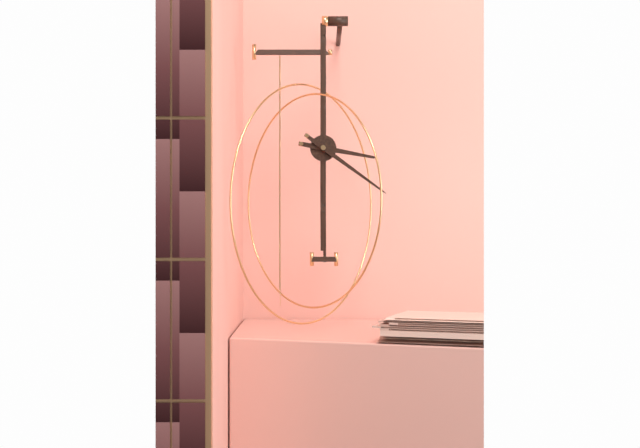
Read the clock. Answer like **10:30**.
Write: **3:21**
